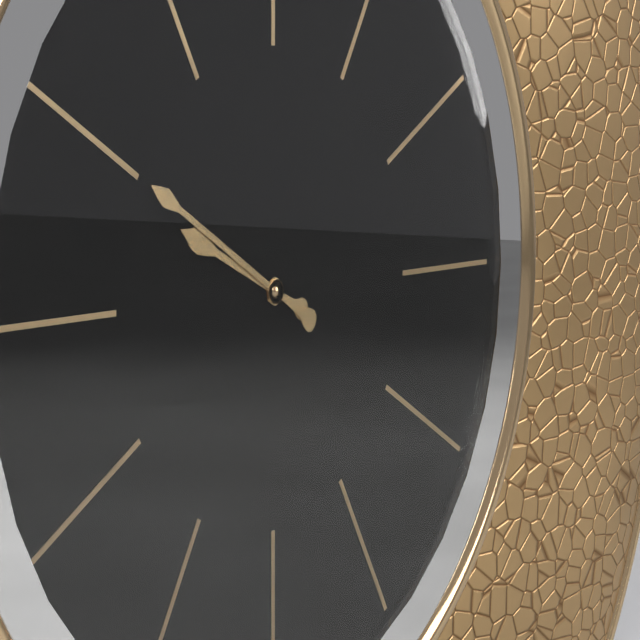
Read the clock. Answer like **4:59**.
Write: **9:50**
